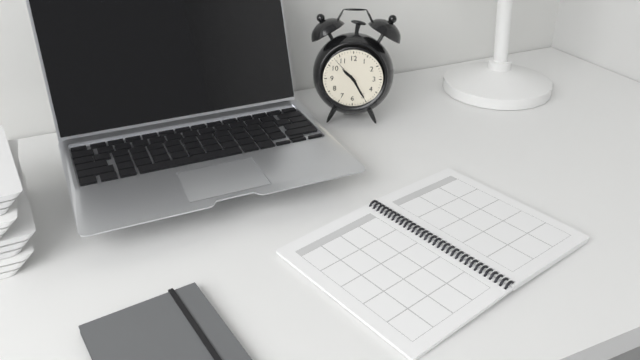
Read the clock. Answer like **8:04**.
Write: **10:25**
